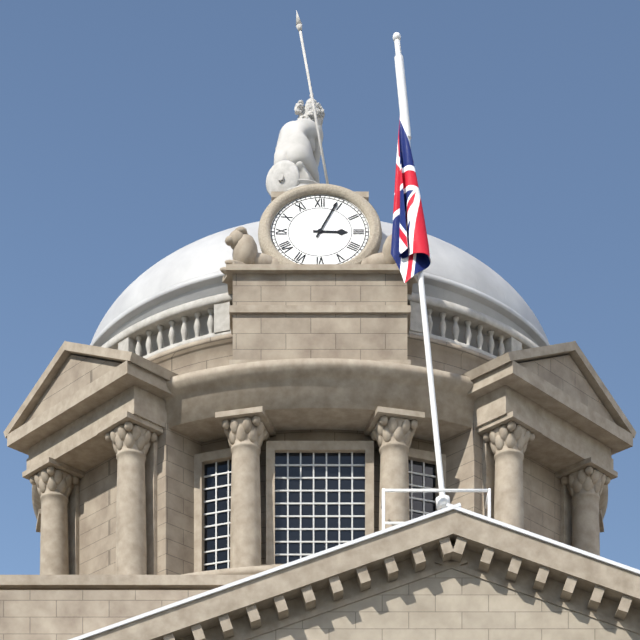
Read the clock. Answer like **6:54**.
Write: **3:04**
